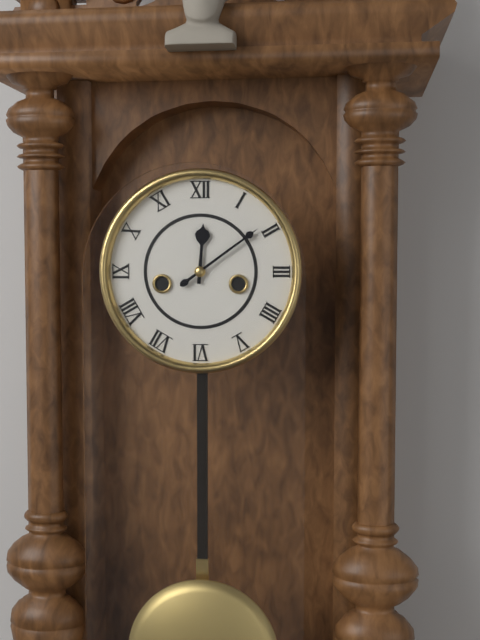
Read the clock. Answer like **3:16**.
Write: **12:09**
